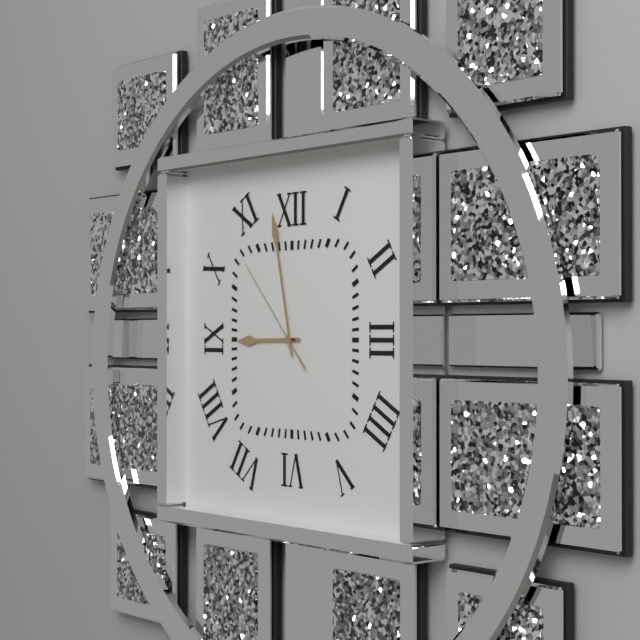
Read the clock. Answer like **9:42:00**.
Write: **8:58:53**
